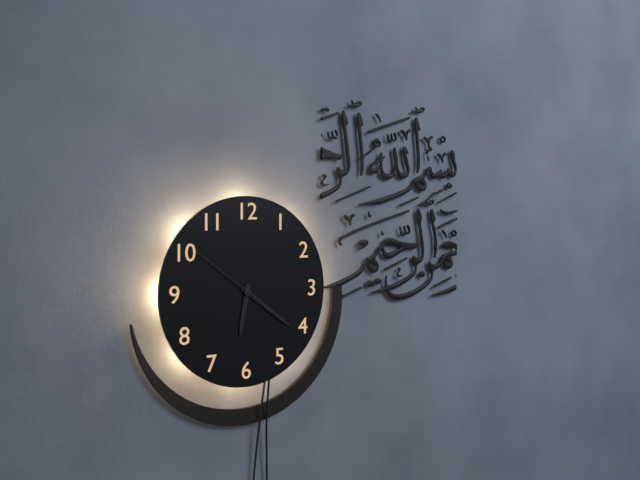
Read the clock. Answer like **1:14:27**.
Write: **6:21:51**
